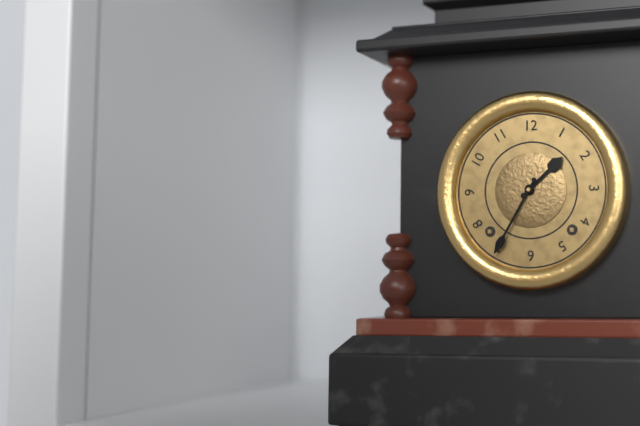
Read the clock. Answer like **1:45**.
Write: **1:35**
